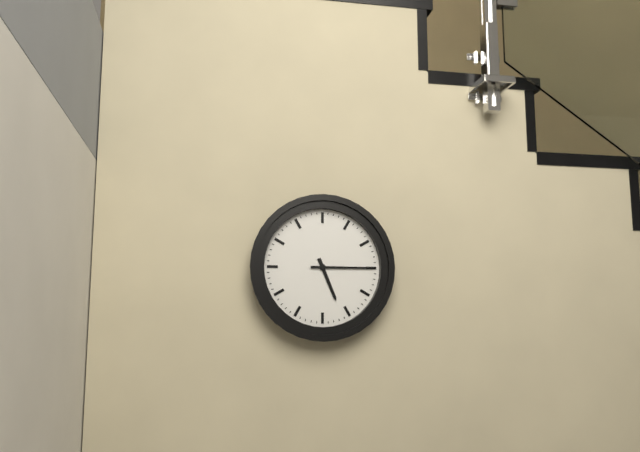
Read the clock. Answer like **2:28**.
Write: **5:15**
